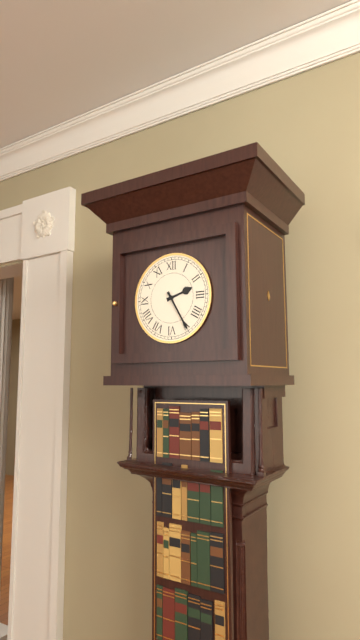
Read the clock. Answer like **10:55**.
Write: **2:25**
